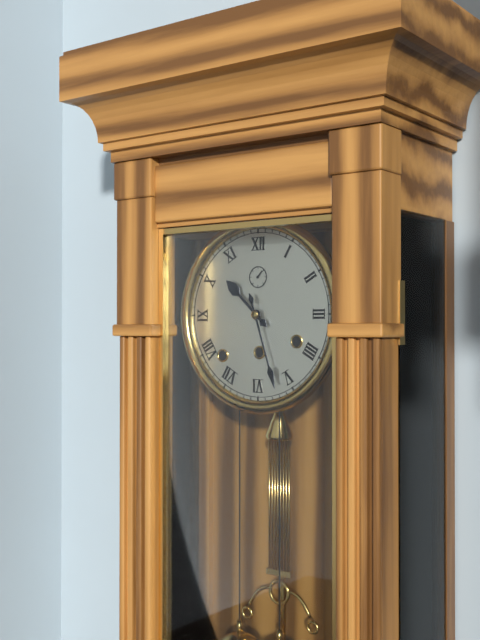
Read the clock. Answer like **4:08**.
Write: **10:27**
